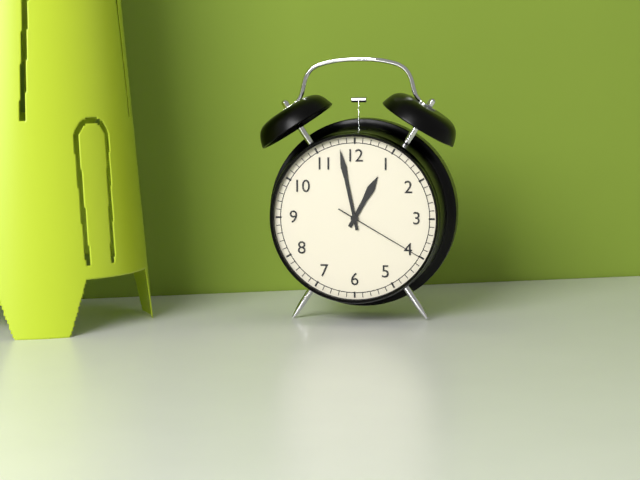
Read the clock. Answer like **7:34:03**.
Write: **12:58:20**
